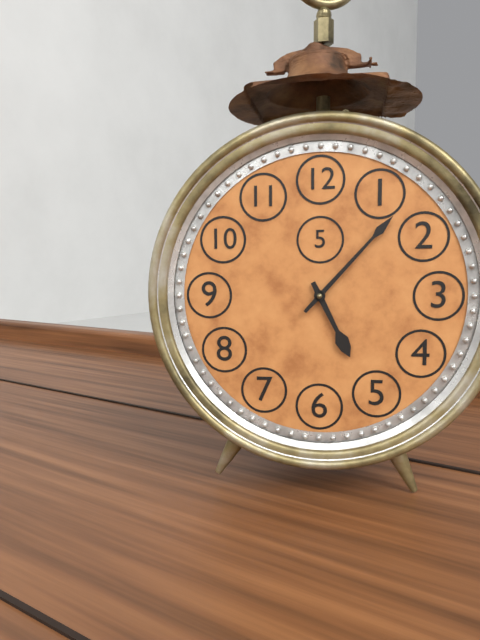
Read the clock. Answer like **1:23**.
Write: **5:07**
